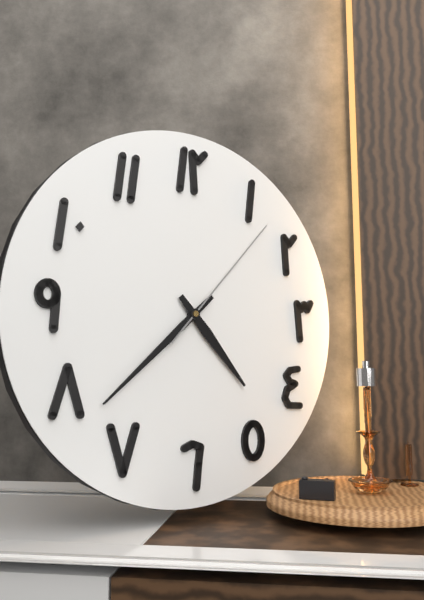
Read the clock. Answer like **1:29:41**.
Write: **4:38:07**
